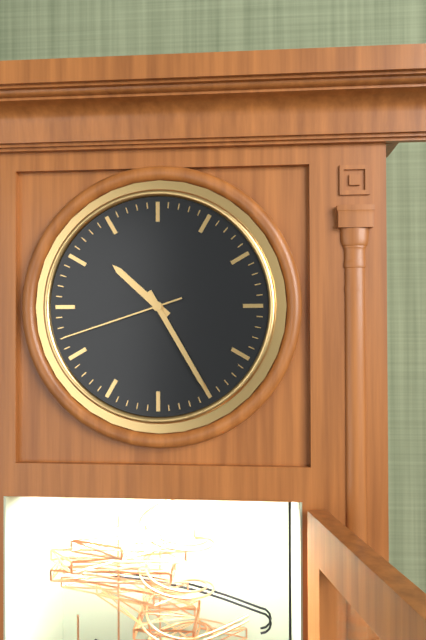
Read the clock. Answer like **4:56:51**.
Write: **10:25:42**
